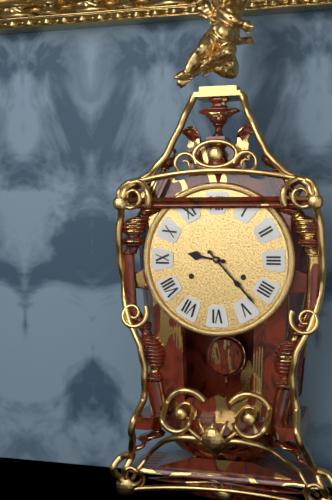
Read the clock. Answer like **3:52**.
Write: **9:23**
